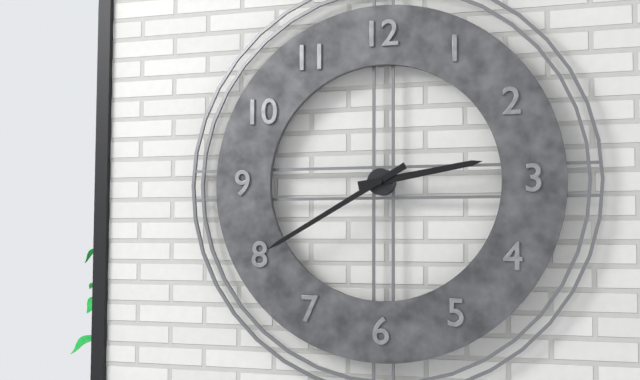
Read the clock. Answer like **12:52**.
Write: **2:40**
